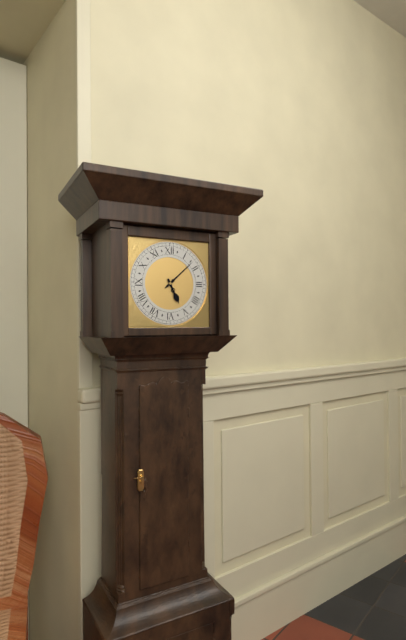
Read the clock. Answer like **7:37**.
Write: **5:08**
